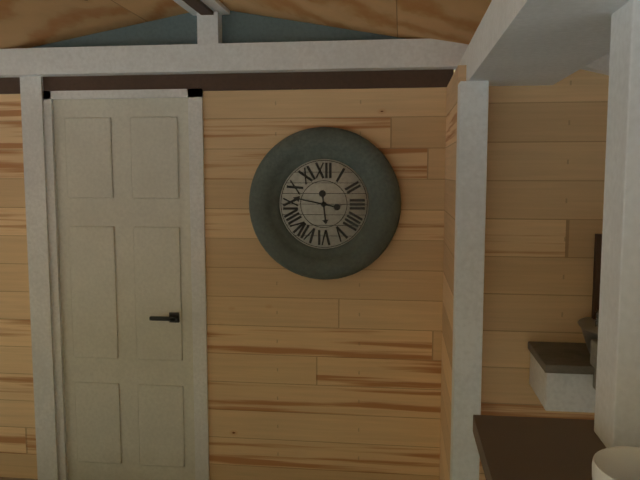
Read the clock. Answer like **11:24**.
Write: **5:47**
